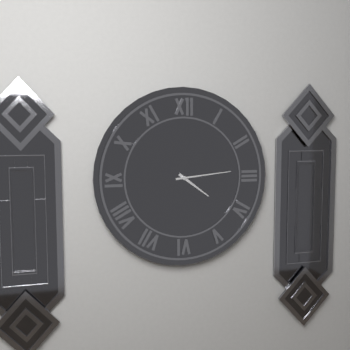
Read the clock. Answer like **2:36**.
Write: **4:14**
